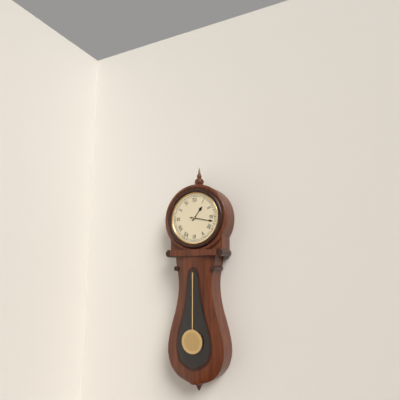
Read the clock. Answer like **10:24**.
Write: **1:17**
